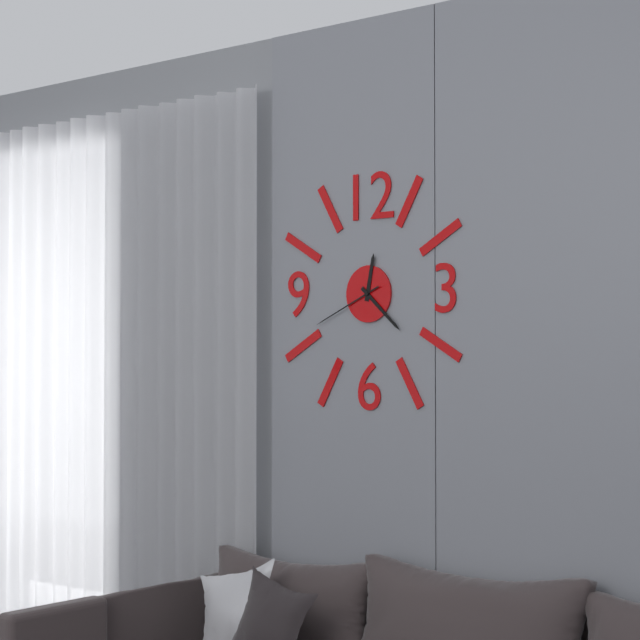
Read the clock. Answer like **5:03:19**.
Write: **12:22:41**
